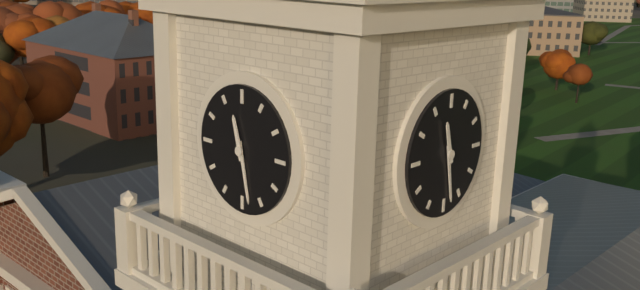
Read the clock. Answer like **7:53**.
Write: **11:28**
